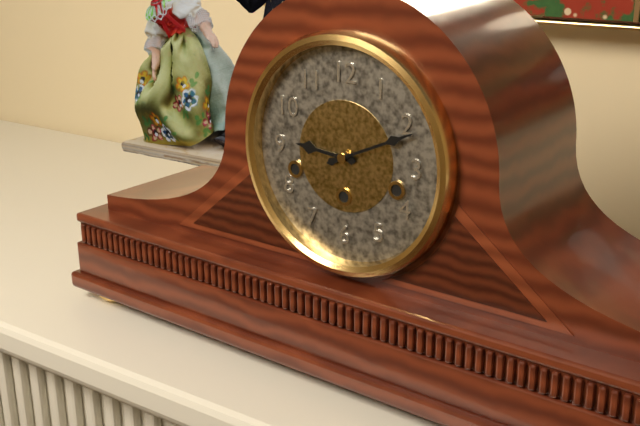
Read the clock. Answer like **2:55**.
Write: **9:11**
